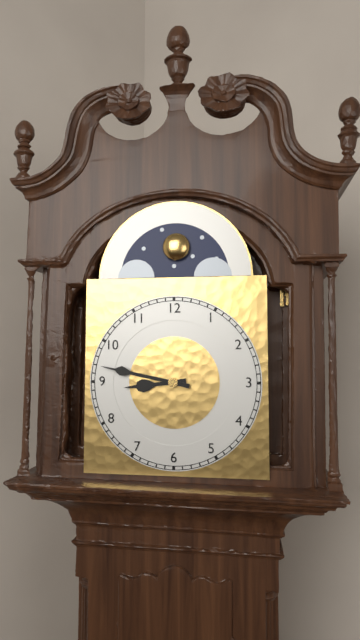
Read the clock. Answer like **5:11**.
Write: **8:47**
